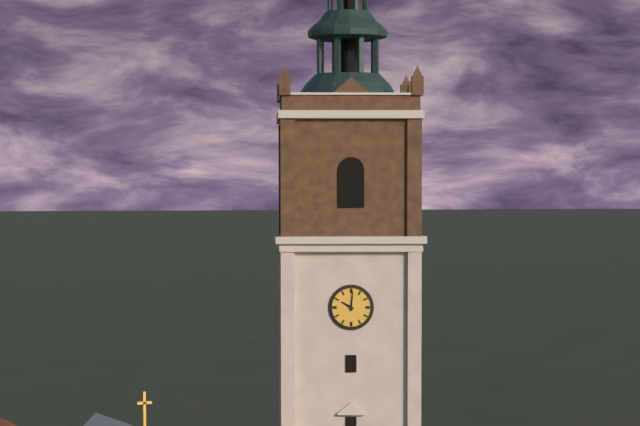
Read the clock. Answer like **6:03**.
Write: **10:01**
